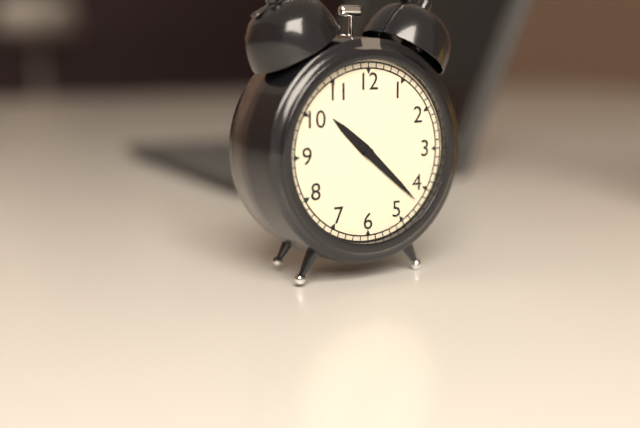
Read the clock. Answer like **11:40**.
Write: **10:22**
